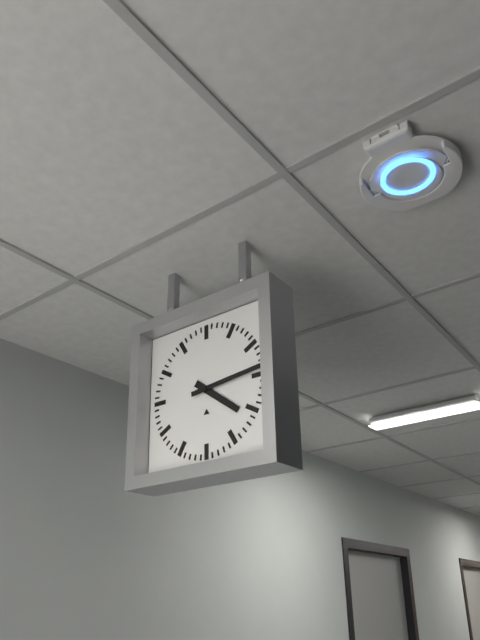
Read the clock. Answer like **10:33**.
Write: **4:14**
